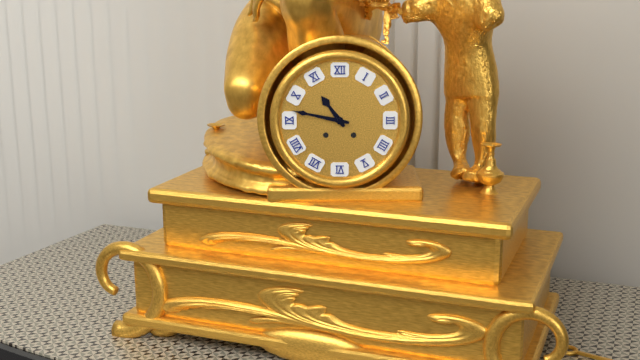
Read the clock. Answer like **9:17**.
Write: **10:47**
